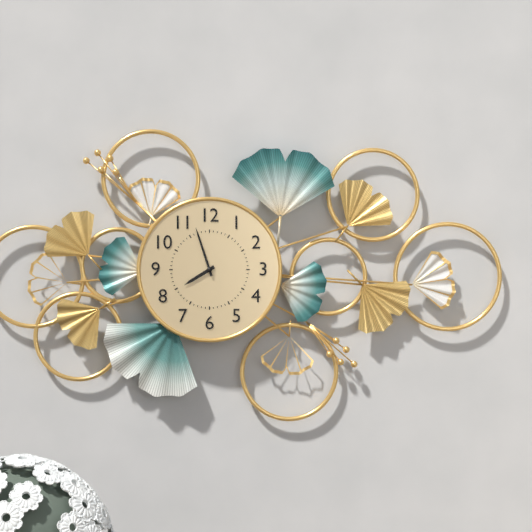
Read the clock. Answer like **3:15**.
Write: **7:57**
